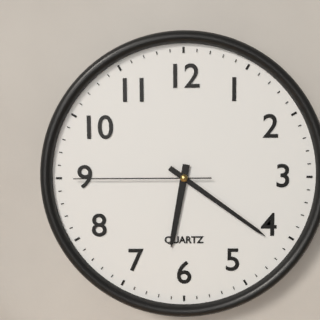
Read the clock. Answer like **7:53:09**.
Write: **6:21:45**
